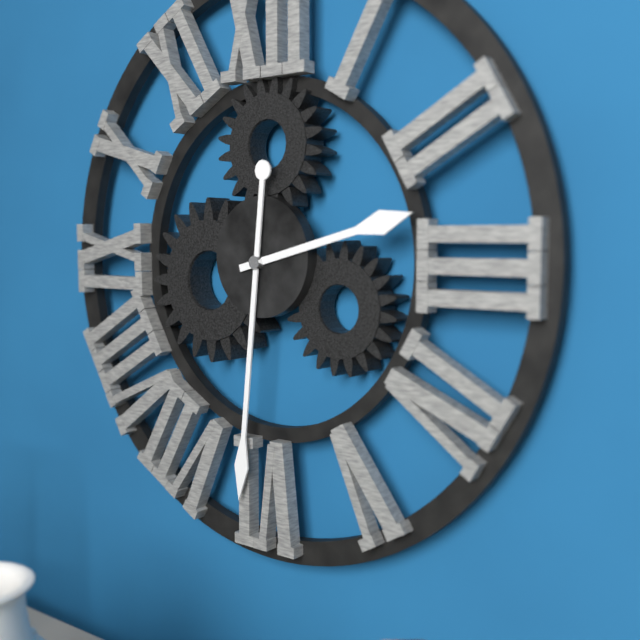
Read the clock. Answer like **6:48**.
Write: **2:31**
